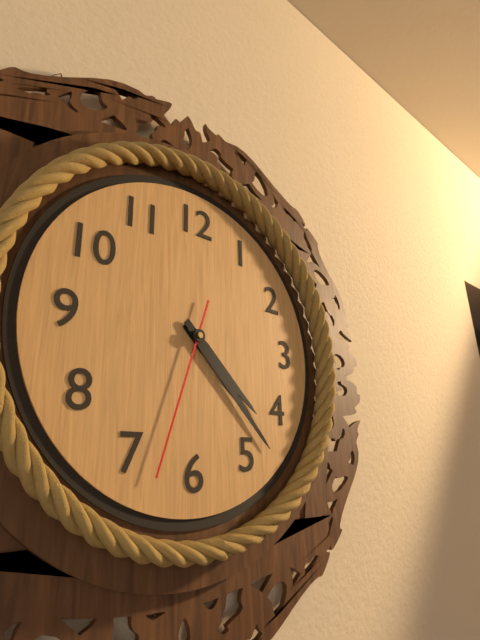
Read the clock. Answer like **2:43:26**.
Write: **4:23:33**
